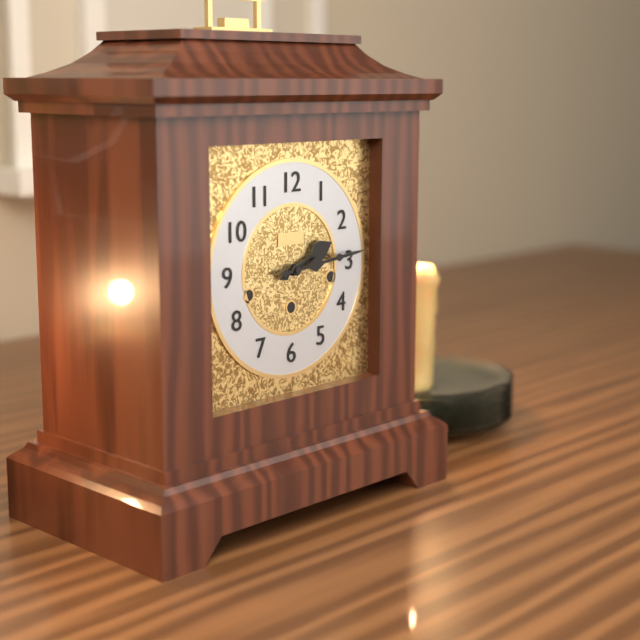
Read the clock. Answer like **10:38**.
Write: **2:14**
